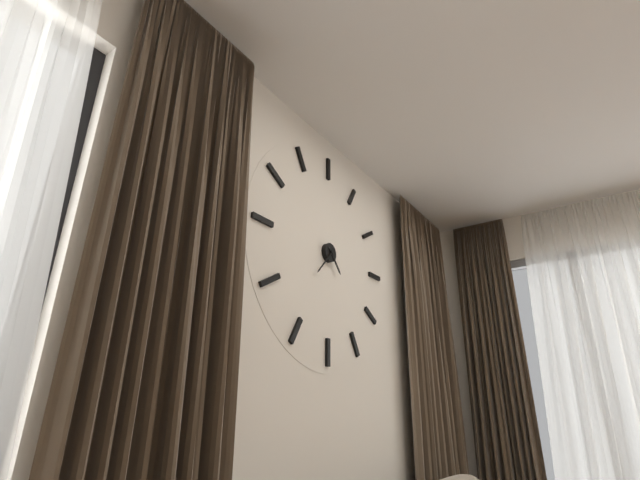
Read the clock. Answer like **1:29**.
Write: **4:37**
